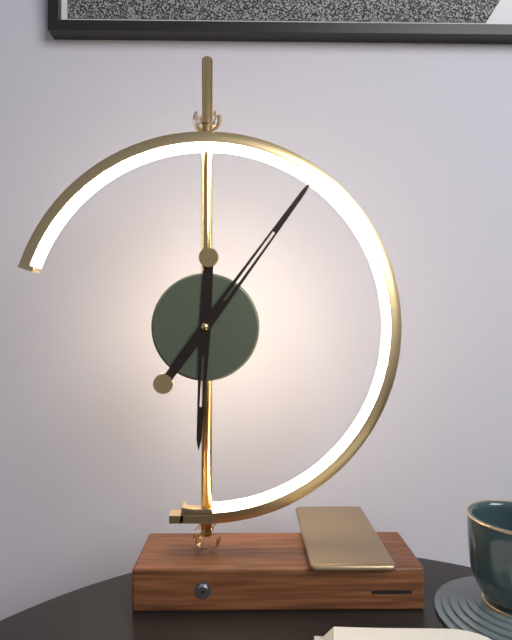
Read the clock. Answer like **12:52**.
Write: **6:06**
